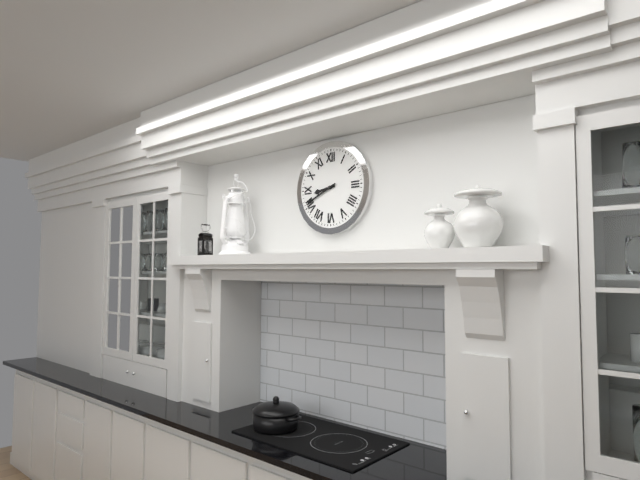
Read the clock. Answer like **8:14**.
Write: **8:41**
